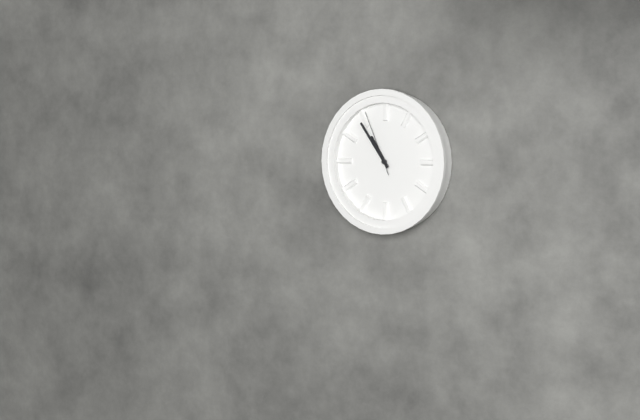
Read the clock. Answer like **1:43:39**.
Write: **10:54:56**
